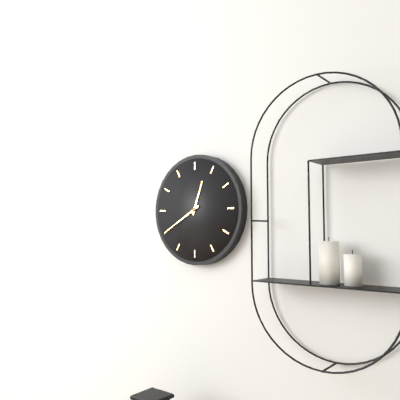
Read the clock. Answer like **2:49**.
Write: **12:40**
